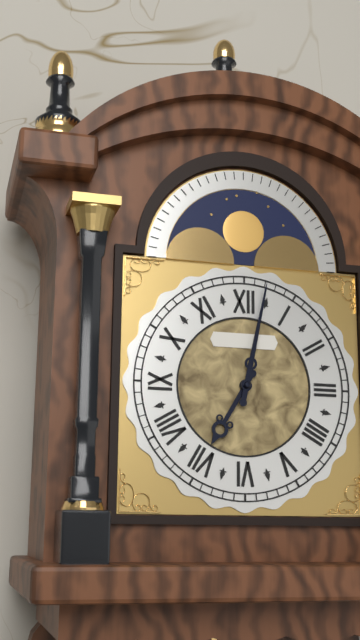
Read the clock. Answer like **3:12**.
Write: **7:02**
